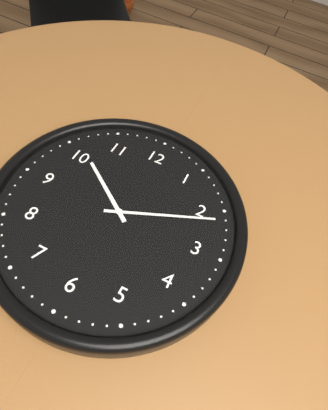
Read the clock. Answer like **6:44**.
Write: **10:11**
